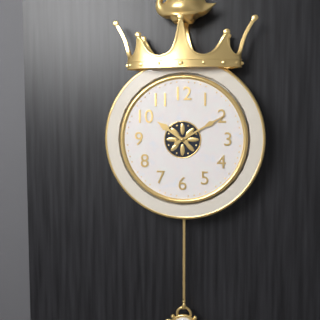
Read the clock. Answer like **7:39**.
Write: **10:10**
